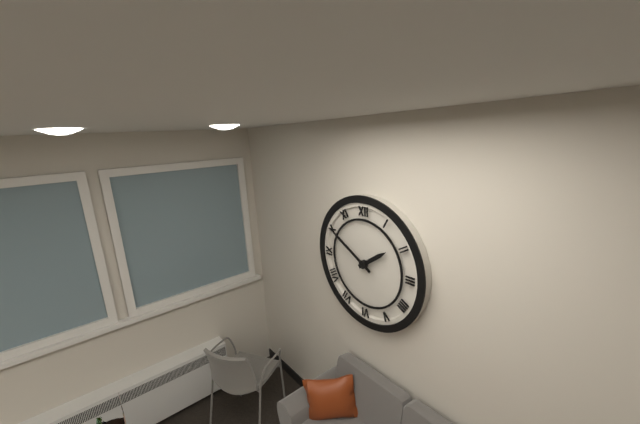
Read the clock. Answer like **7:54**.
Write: **1:50**
